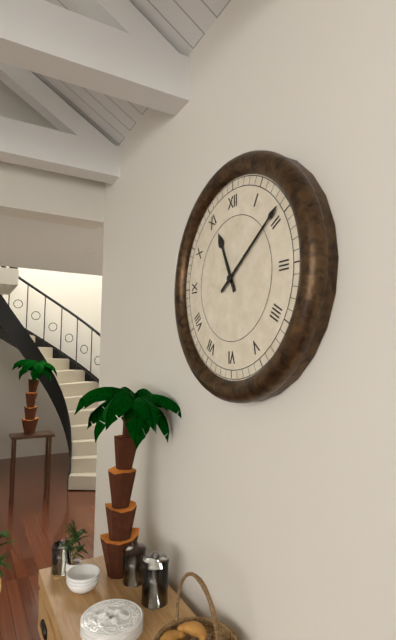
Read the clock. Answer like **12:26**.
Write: **11:09**
